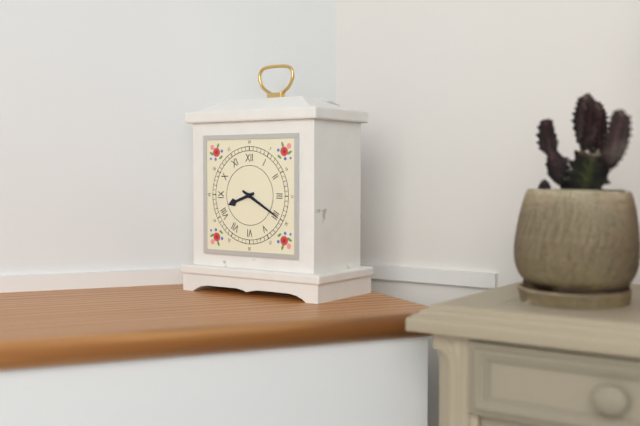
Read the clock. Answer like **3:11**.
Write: **8:20**
